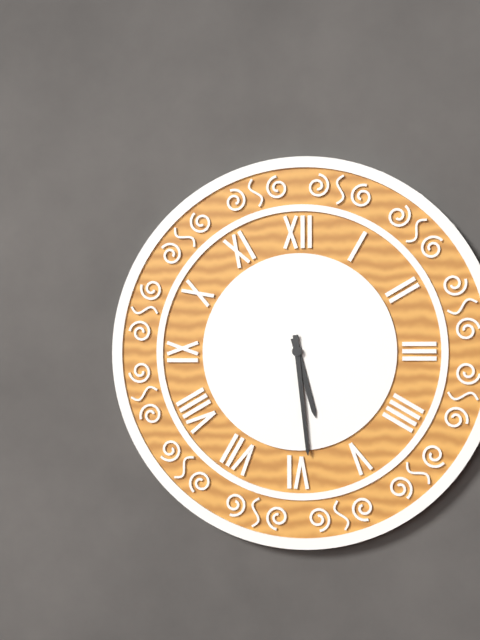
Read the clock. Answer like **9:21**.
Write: **5:29**
